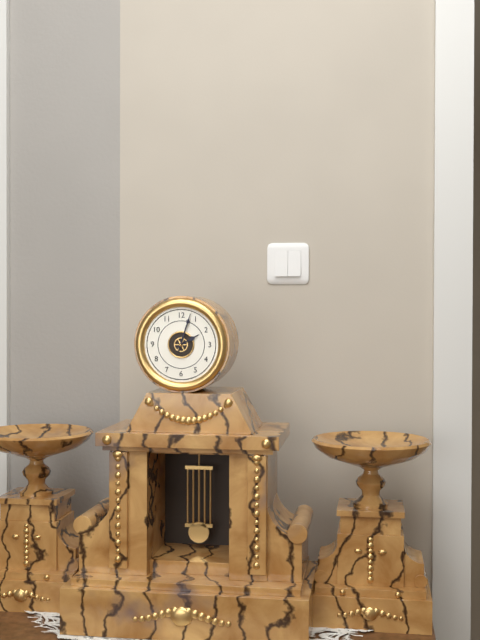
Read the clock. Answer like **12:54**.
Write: **2:03**
